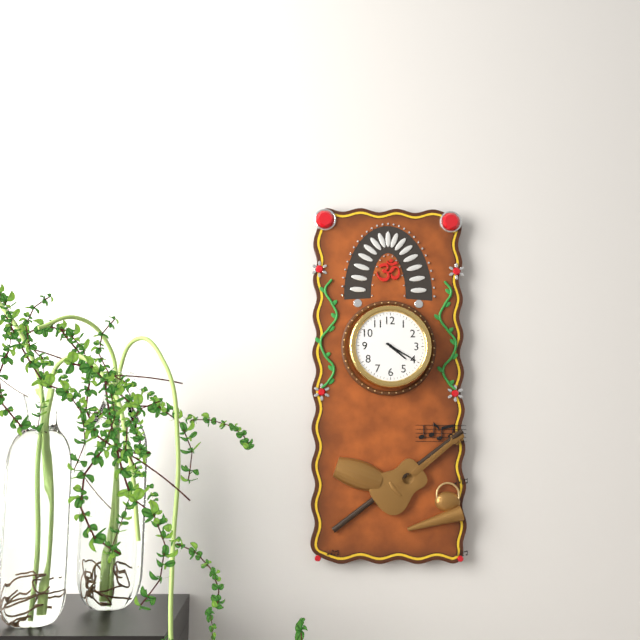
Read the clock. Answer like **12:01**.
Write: **4:20**
